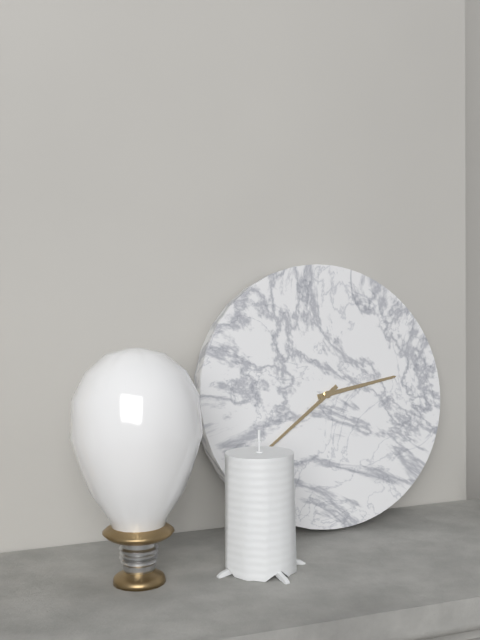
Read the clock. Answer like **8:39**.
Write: **2:39**
